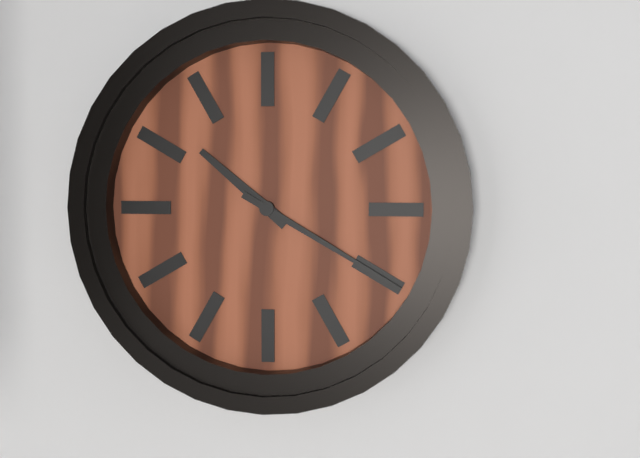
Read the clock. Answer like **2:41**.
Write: **10:20**
